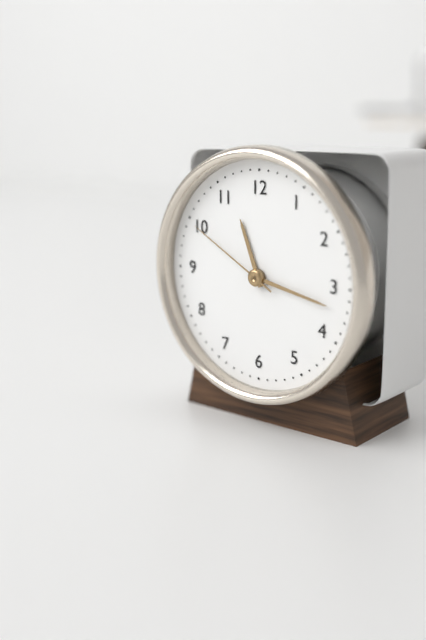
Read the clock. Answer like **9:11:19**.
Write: **11:17:50**
